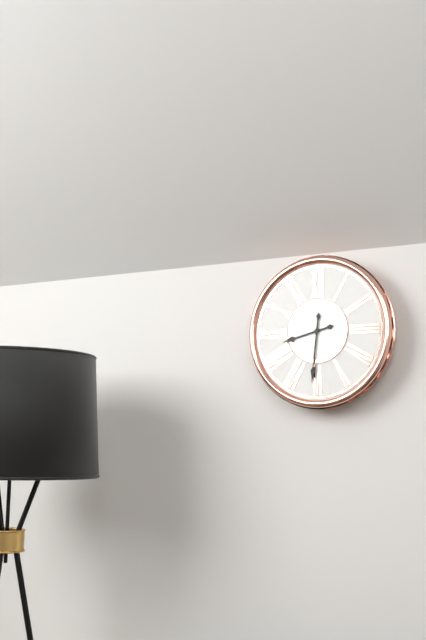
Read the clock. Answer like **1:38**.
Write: **8:31**
